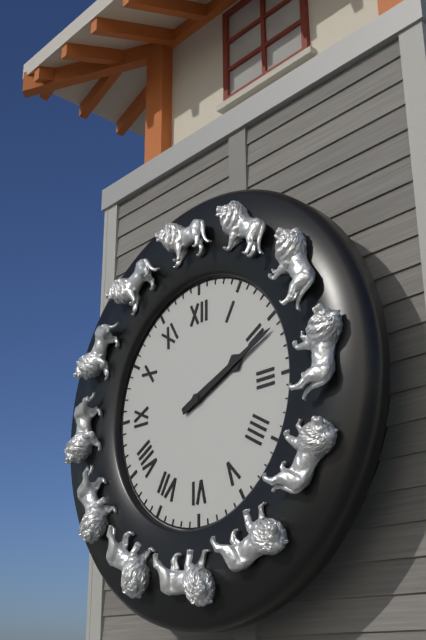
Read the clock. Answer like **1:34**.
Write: **2:11**
